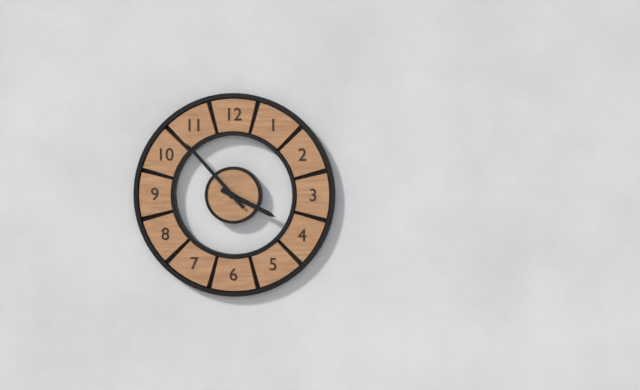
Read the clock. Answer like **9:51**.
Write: **3:53**
